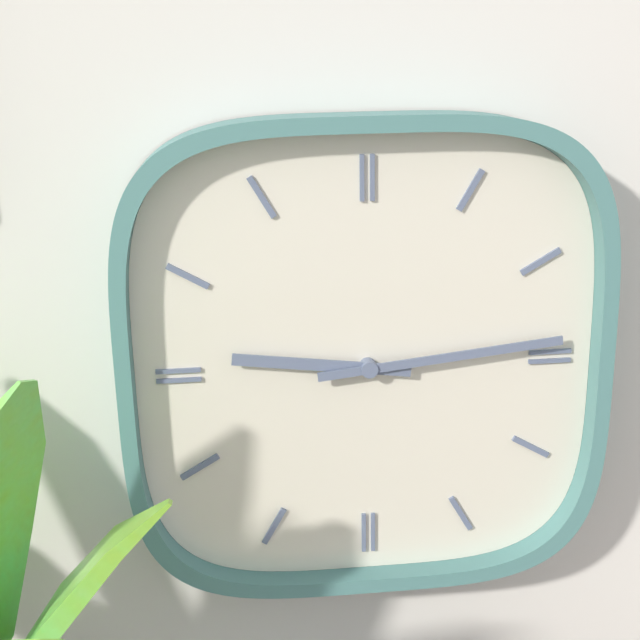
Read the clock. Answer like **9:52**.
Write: **9:14**
